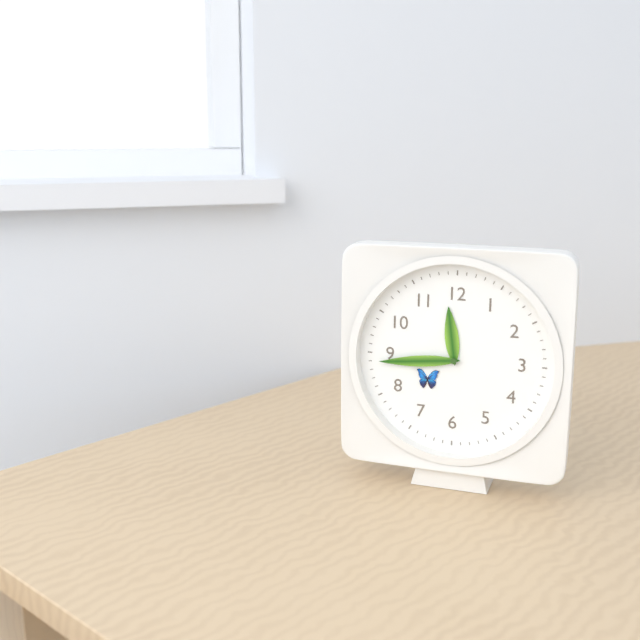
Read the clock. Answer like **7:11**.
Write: **11:44**
